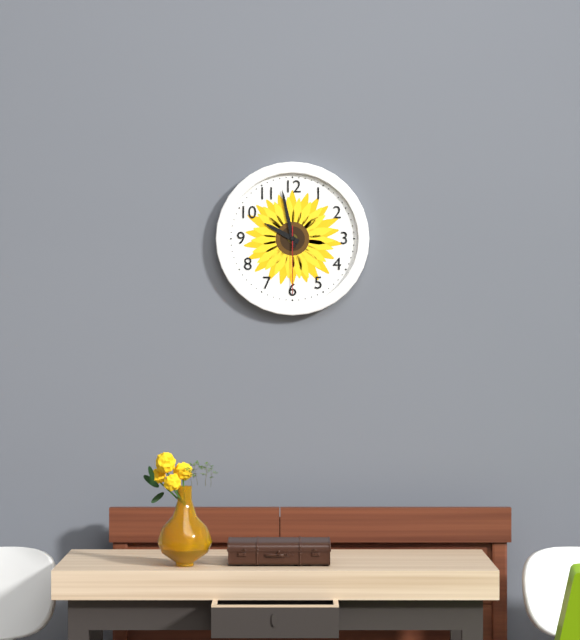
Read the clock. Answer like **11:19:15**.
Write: **9:58:30**
